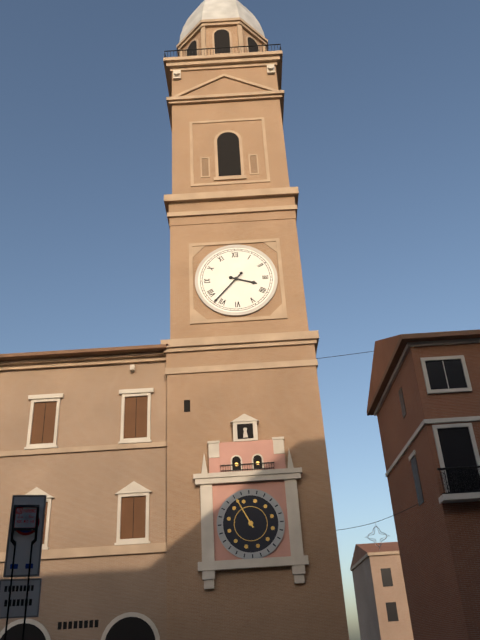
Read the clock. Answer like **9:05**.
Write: **3:37**
